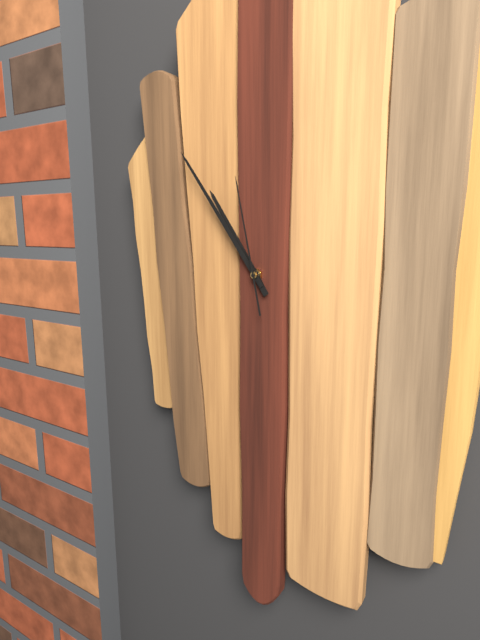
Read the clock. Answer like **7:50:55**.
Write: **10:54:58**
